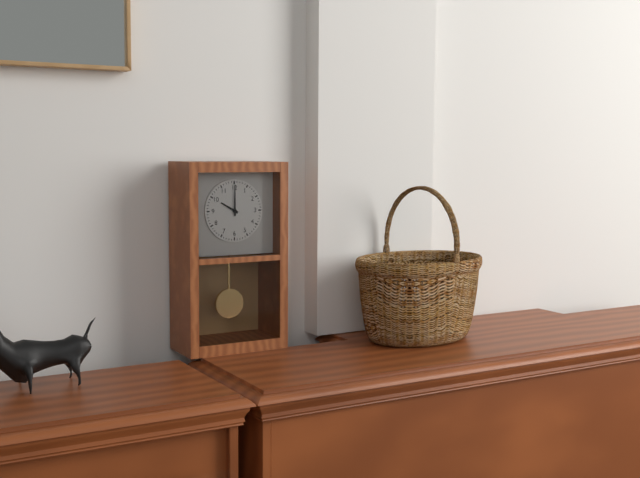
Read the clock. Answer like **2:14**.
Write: **10:00**
